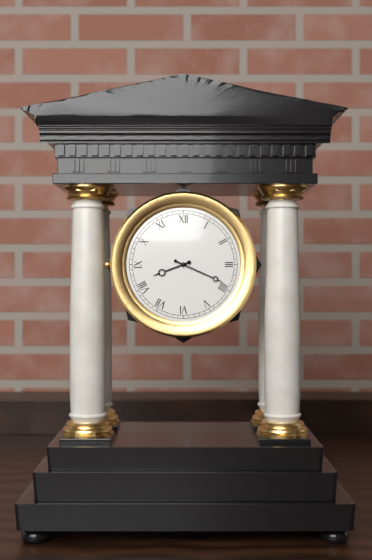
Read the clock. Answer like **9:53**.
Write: **8:19**
